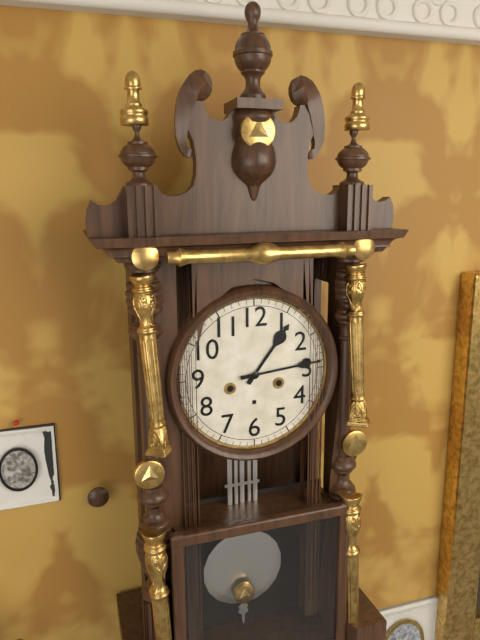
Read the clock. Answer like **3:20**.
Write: **1:14**
